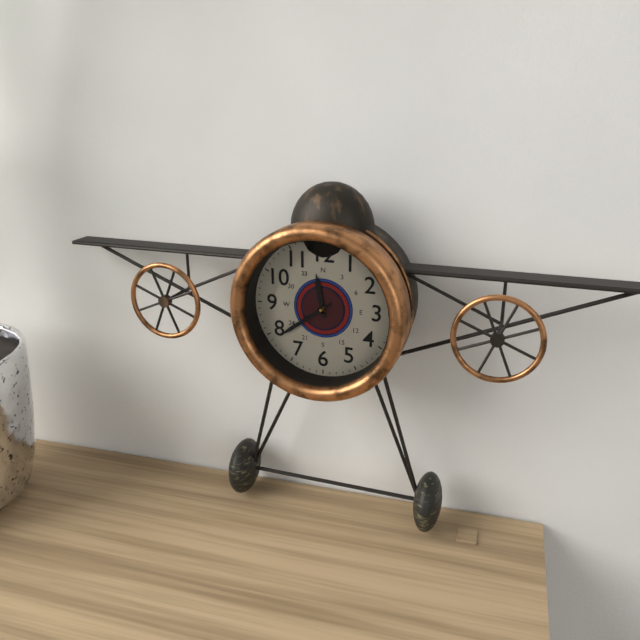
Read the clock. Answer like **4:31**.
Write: **11:39**
